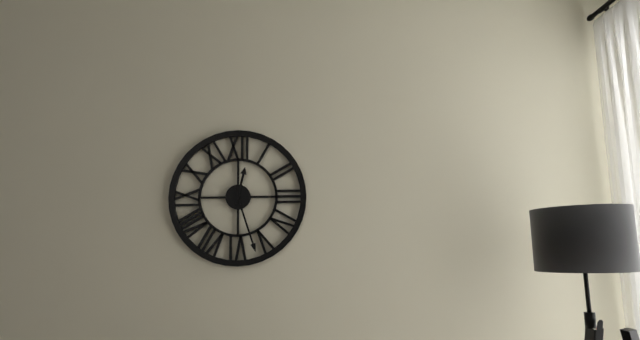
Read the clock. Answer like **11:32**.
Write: **12:27**
